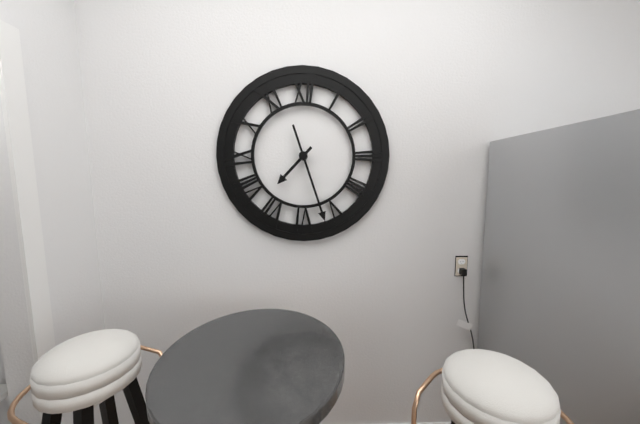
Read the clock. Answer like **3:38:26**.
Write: **7:27:27**
